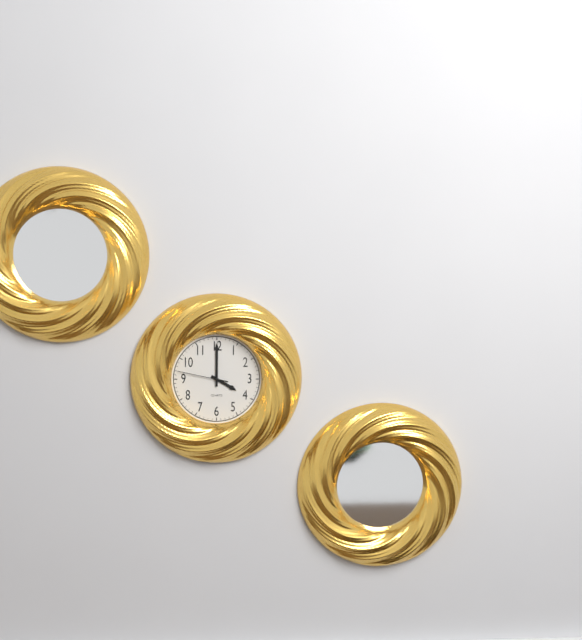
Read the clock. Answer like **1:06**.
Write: **4:00**
